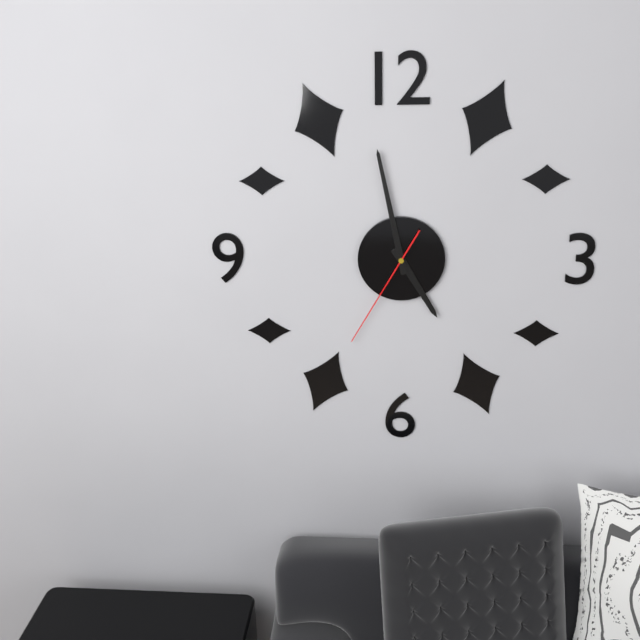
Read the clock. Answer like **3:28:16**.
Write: **4:58:35**
